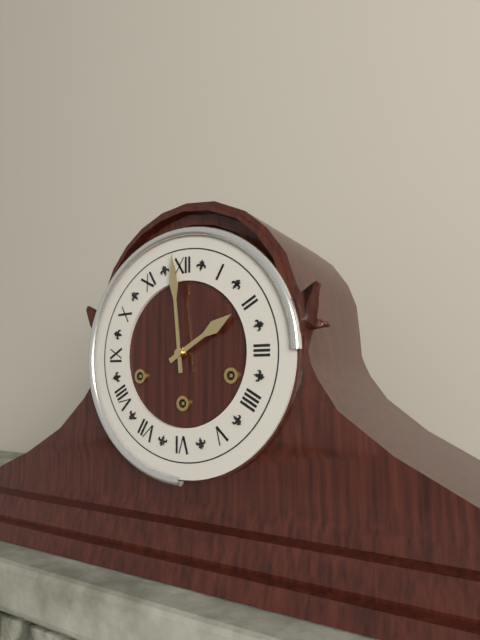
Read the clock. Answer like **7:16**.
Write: **1:59**
